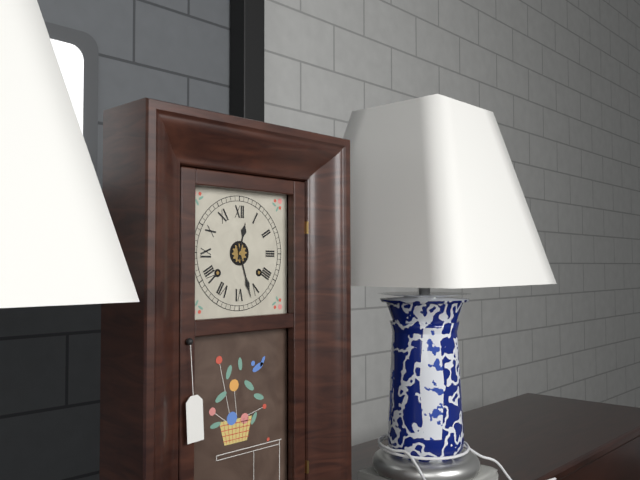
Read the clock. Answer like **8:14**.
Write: **12:27**
